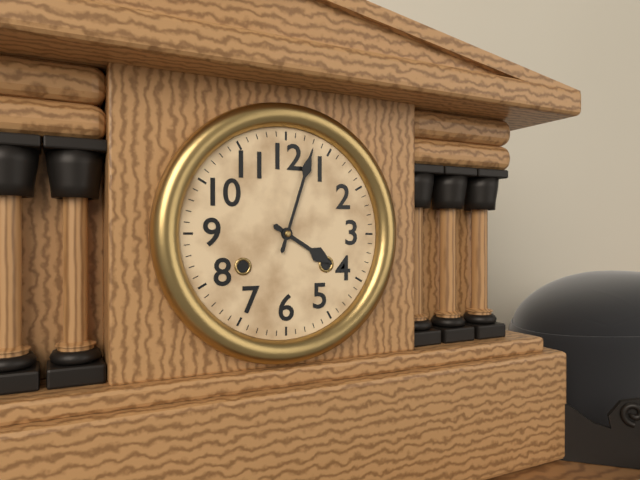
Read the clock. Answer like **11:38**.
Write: **4:03**
